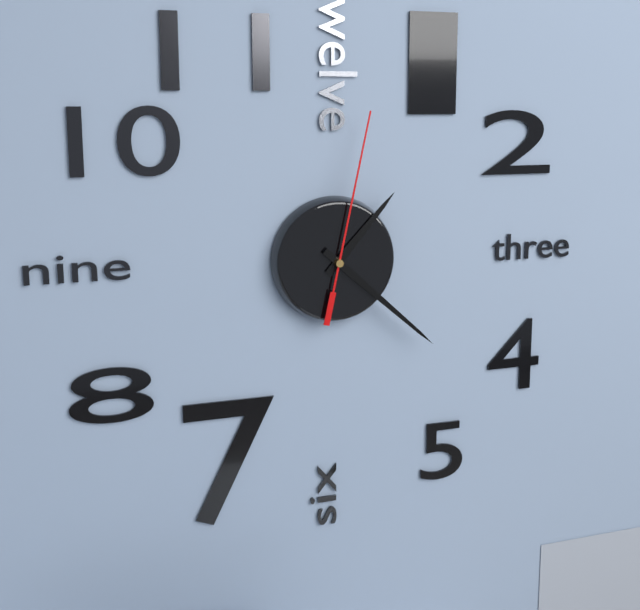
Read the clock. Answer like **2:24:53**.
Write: **1:22:02**
